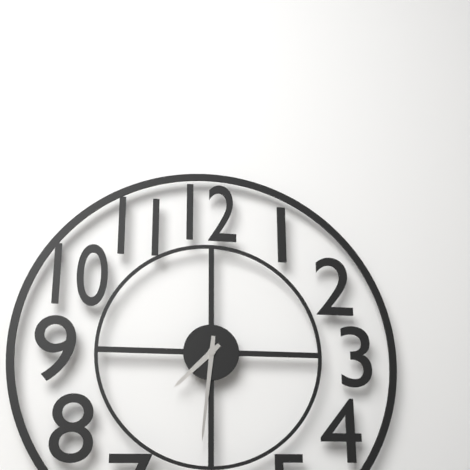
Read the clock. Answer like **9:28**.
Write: **7:31**
